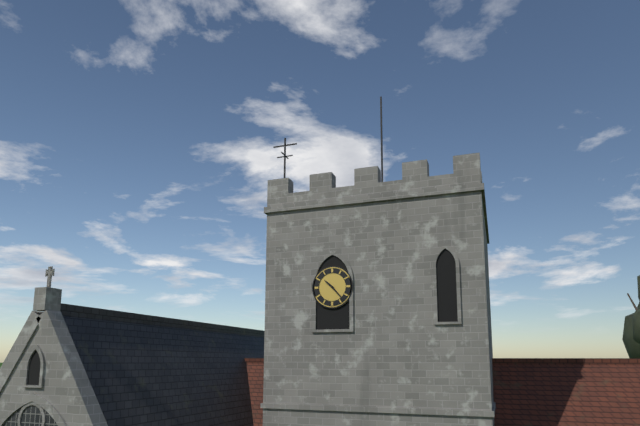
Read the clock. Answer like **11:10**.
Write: **10:23**
